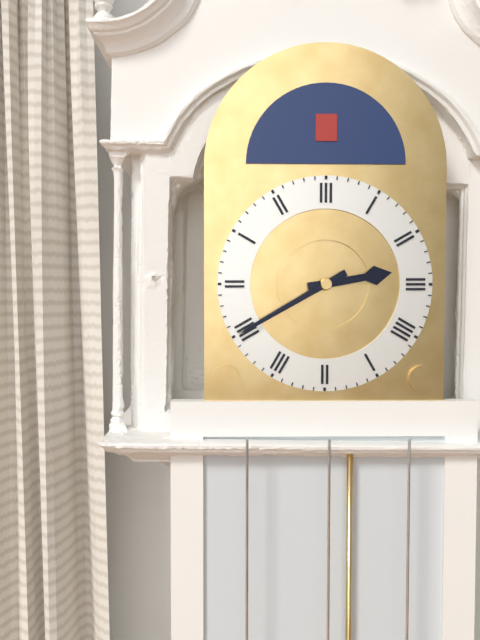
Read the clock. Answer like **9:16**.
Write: **2:40**
